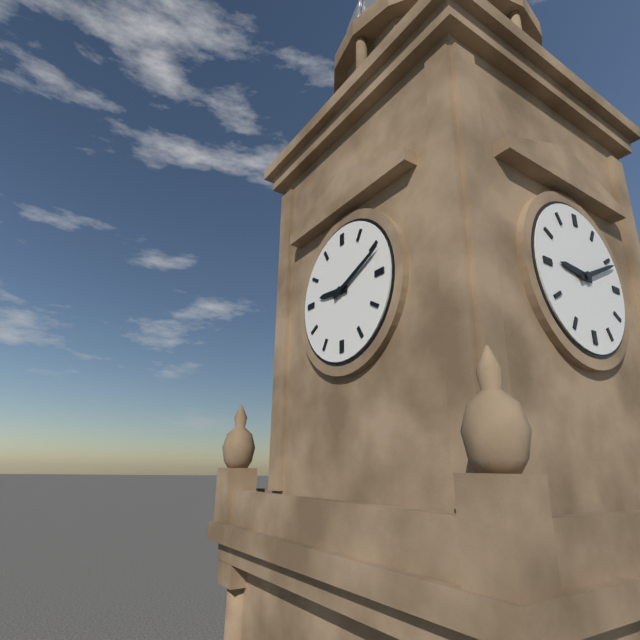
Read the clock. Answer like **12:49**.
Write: **9:11**
